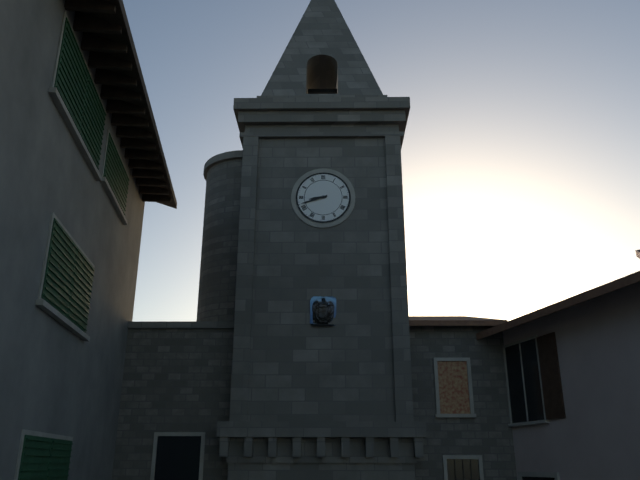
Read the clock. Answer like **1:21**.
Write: **8:42**
